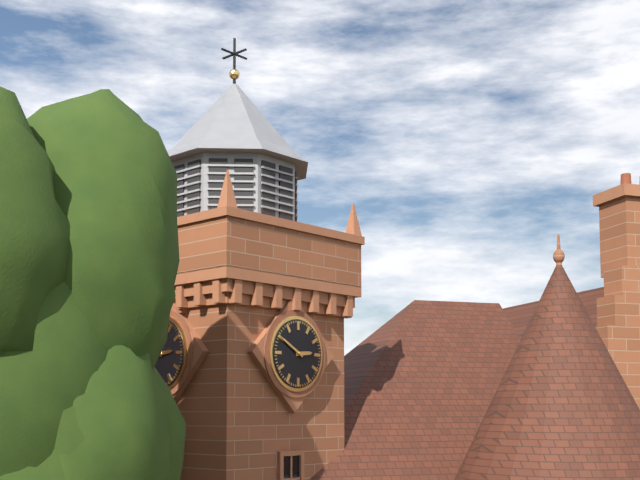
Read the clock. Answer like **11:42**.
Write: **2:50**
